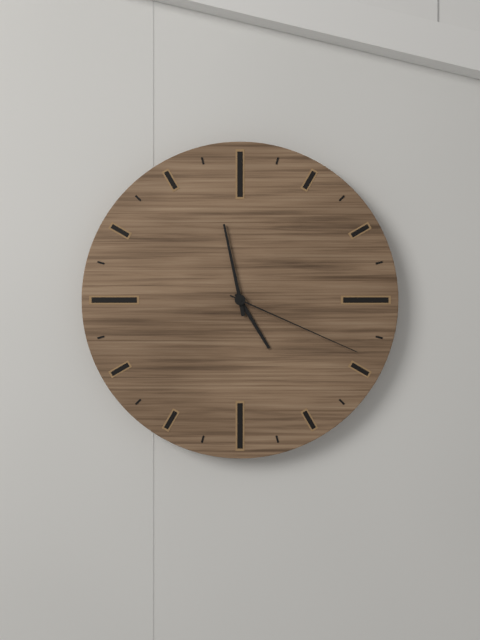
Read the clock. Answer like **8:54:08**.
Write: **4:58:19**
